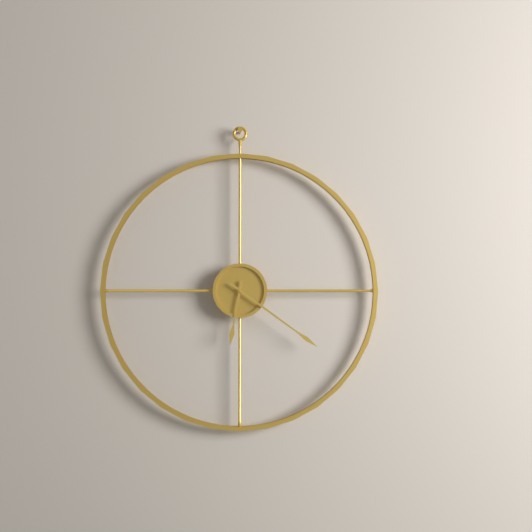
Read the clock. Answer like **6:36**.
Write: **6:21**
